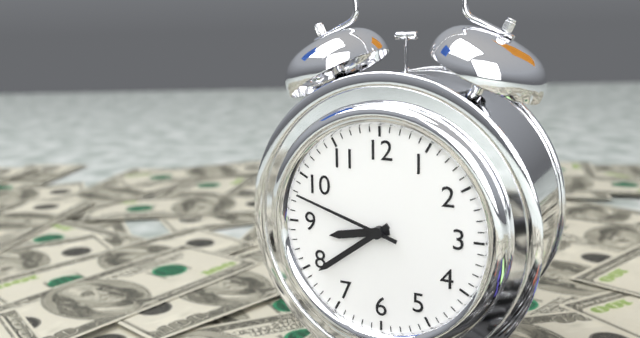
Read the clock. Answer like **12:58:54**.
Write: **8:39:48**
